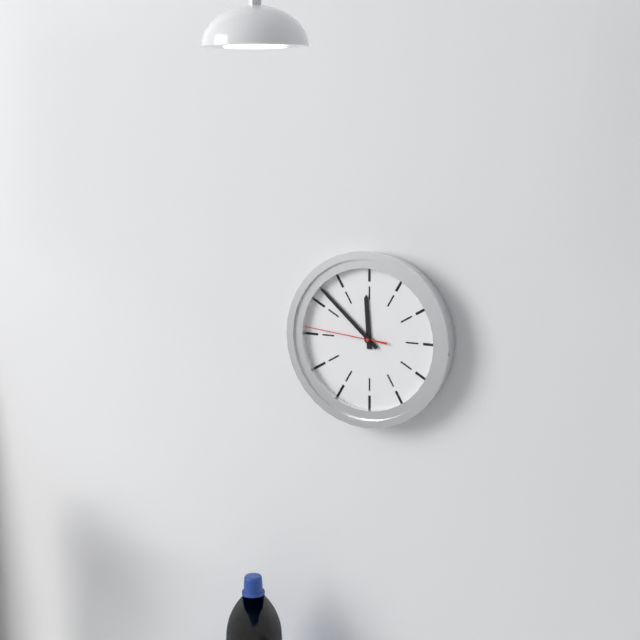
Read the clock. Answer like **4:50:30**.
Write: **11:52:46**
